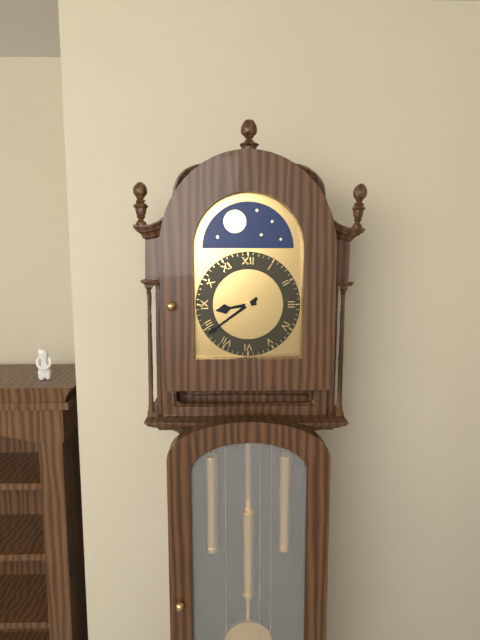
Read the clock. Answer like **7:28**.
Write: **8:39**
